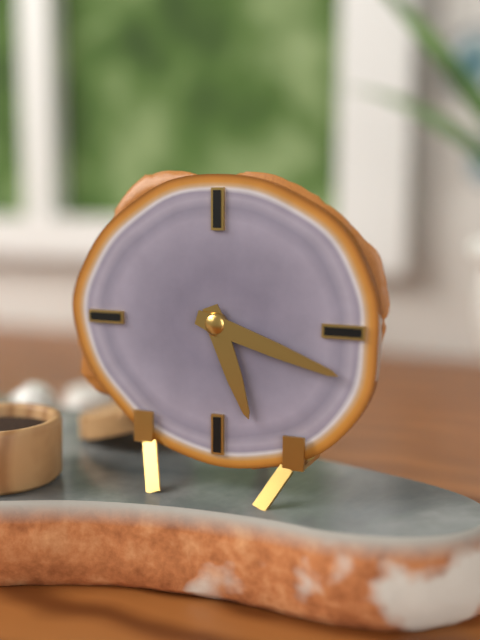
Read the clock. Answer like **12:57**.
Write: **5:18**
